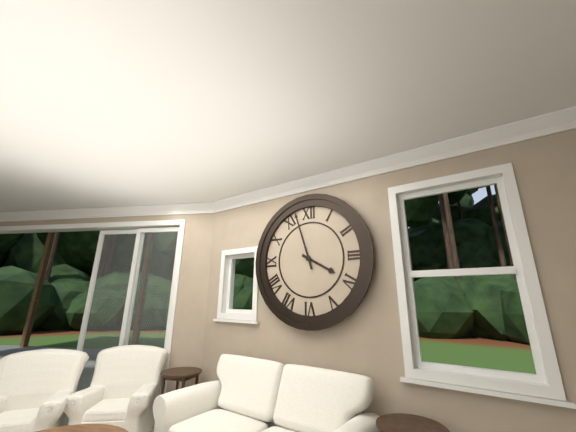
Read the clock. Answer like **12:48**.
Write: **3:57**
